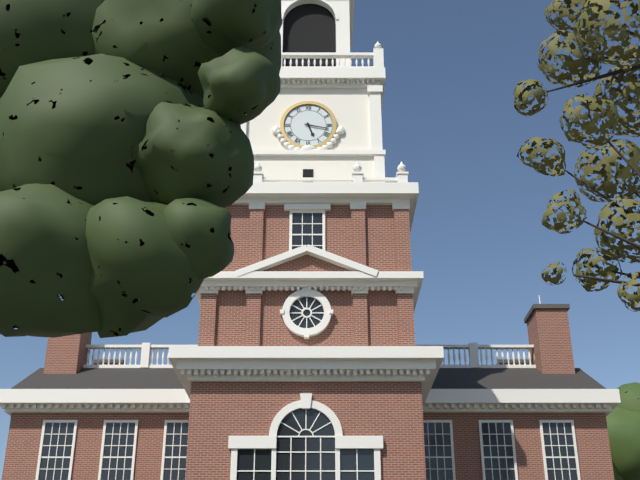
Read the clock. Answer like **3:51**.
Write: **5:17**
